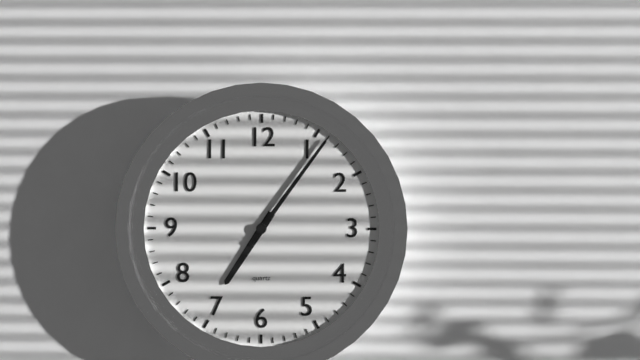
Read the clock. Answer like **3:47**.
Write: **7:06**
